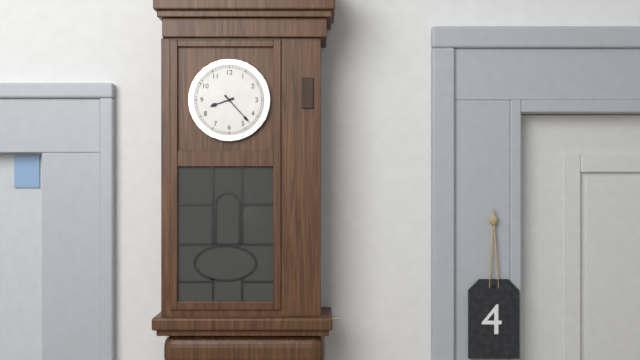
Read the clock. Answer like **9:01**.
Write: **8:23**
